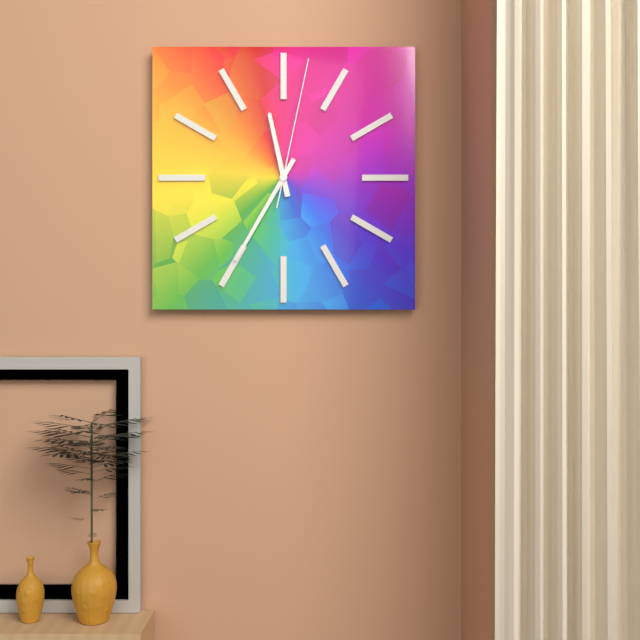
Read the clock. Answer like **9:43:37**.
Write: **11:35:02**
